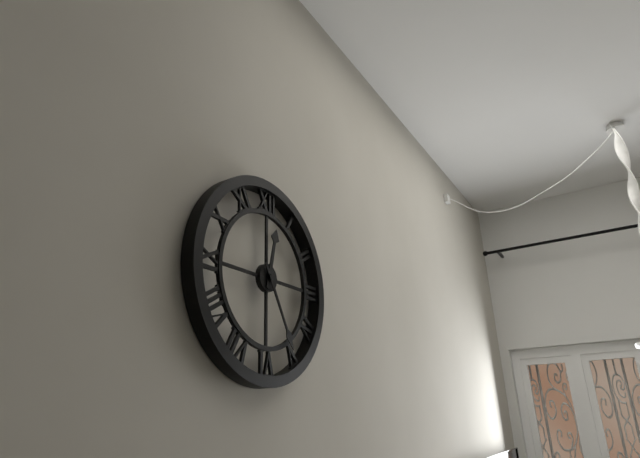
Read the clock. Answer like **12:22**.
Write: **12:25**
